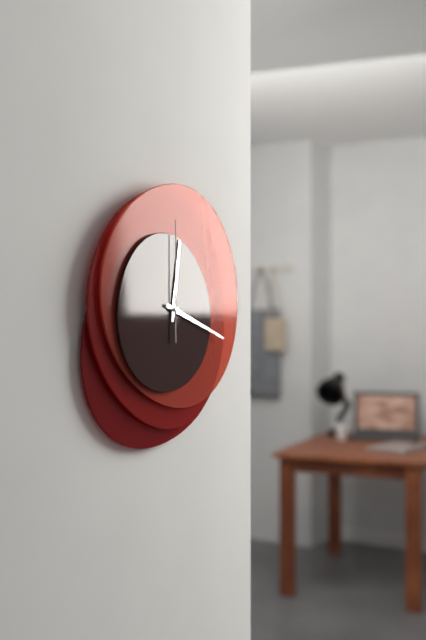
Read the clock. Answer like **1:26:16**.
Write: **12:18:00**
